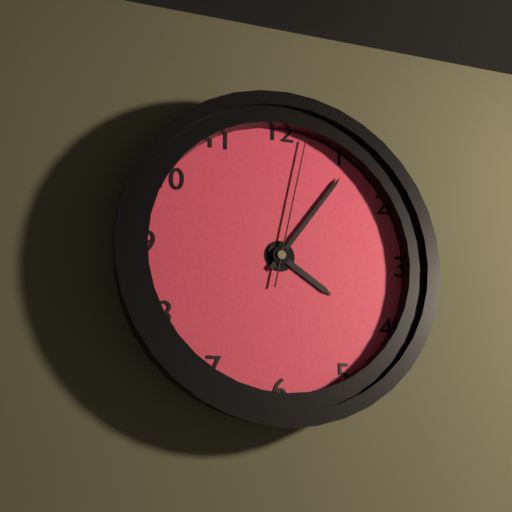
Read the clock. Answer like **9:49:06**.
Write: **4:06:02**
